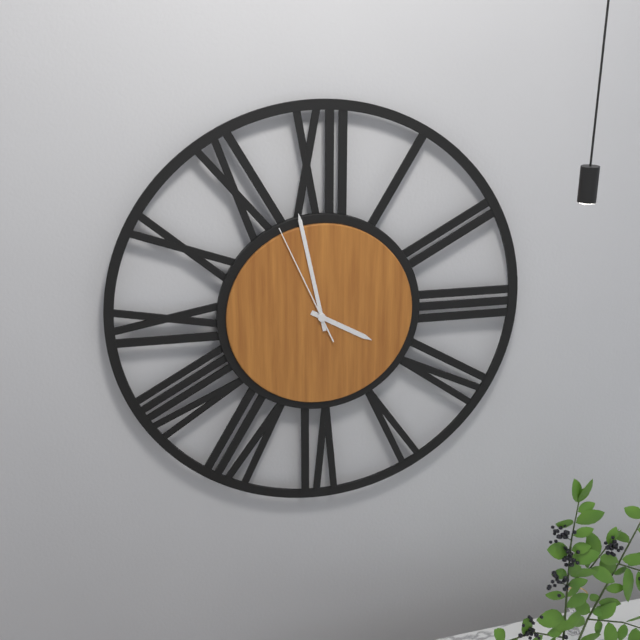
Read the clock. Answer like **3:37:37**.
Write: **3:58:56**
